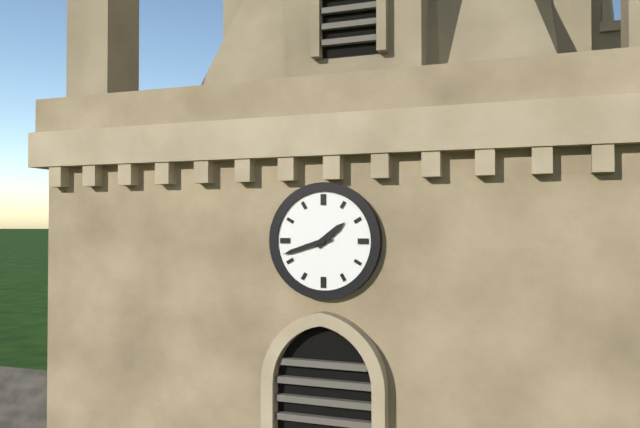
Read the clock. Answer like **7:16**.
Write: **1:42**
